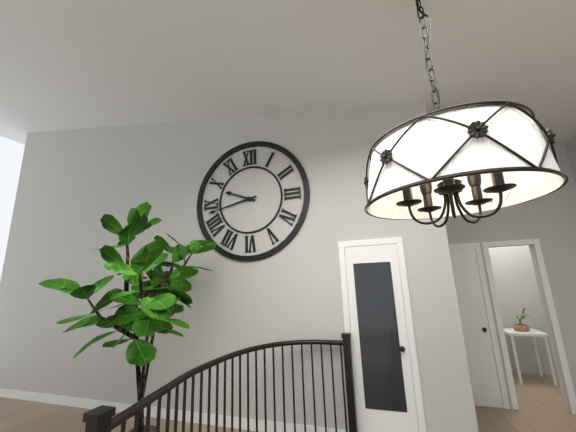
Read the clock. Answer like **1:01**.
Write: **9:43**
